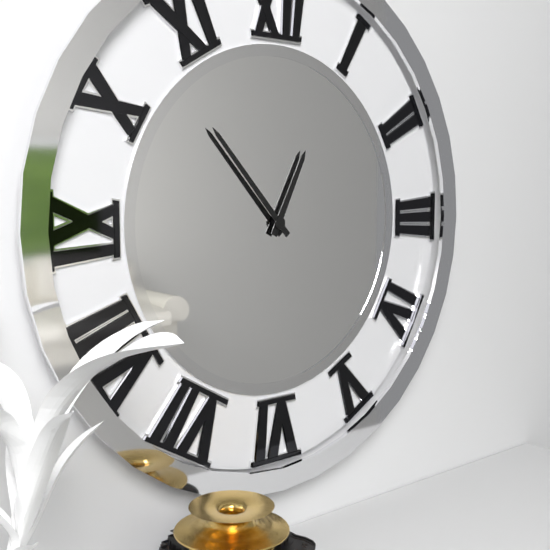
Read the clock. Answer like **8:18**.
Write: **12:53**
